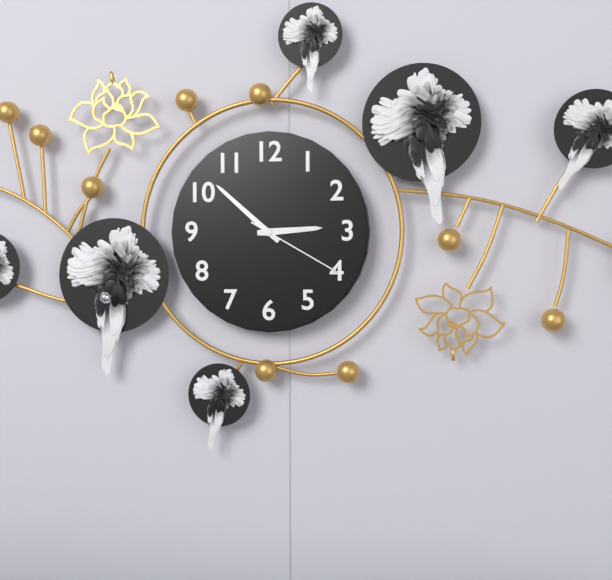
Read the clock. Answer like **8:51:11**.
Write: **2:52:20**
